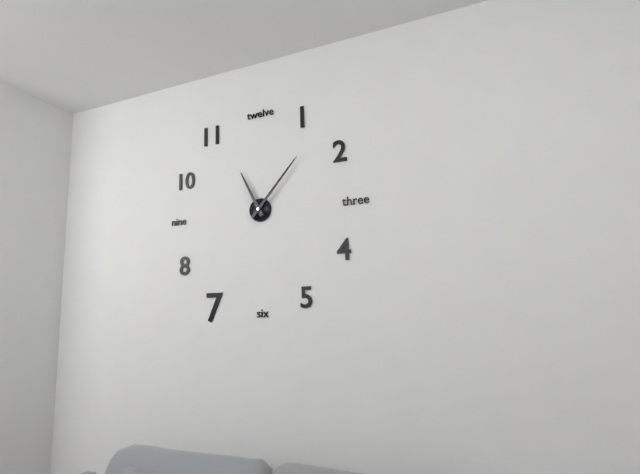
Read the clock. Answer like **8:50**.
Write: **11:07**
